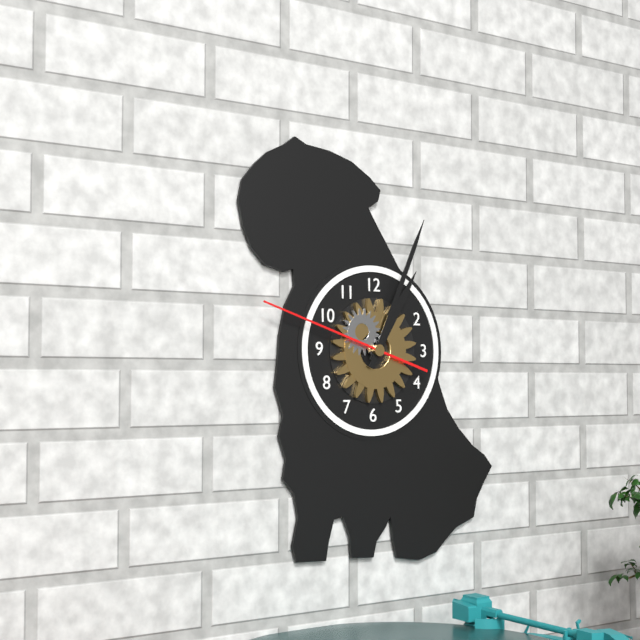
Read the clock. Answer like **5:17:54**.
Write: **1:04:48**
